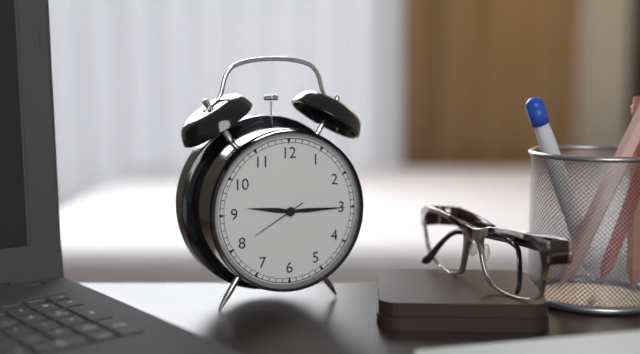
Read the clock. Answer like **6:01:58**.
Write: **9:15:40**
